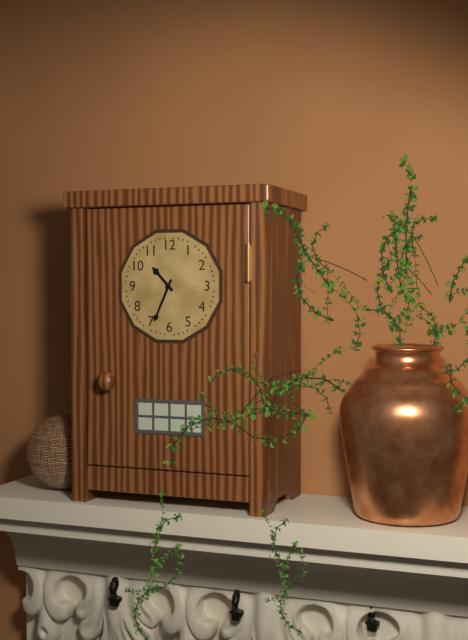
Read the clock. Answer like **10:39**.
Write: **10:34**
